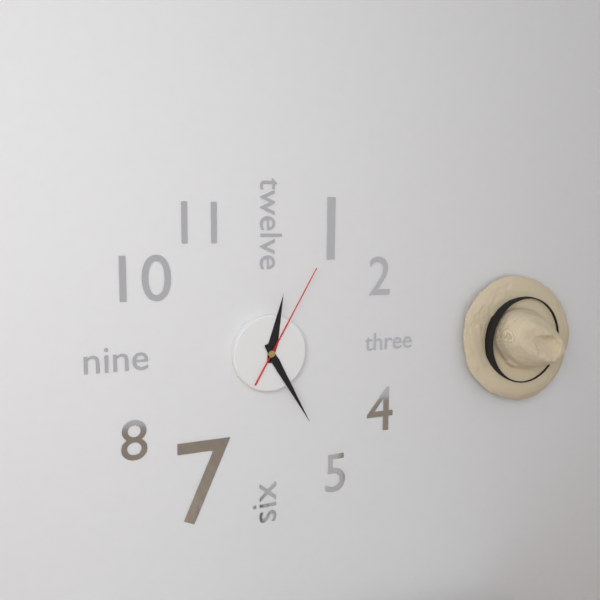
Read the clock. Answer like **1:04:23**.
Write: **12:25:05**
